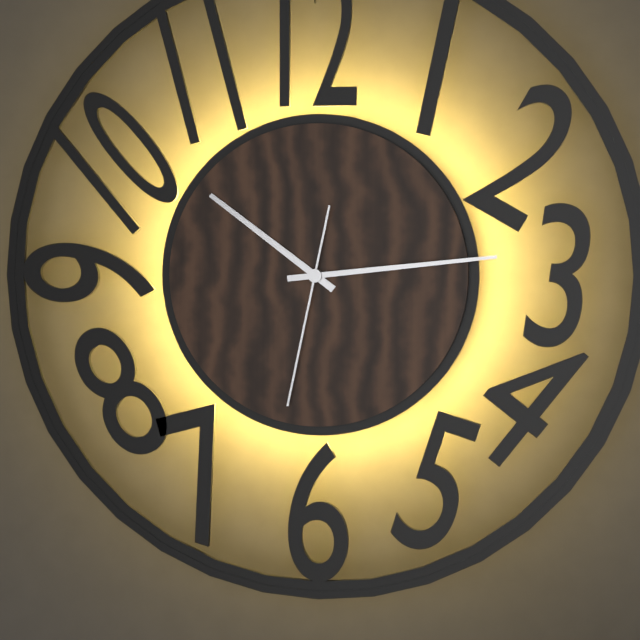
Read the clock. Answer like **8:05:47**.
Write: **10:14:32**
